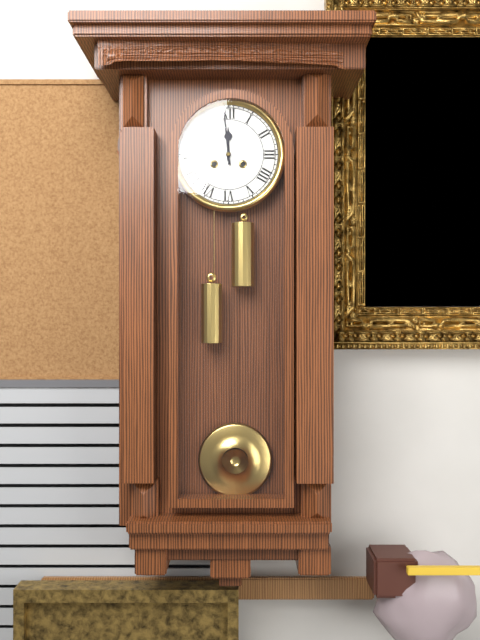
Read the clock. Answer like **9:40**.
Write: **11:59**
